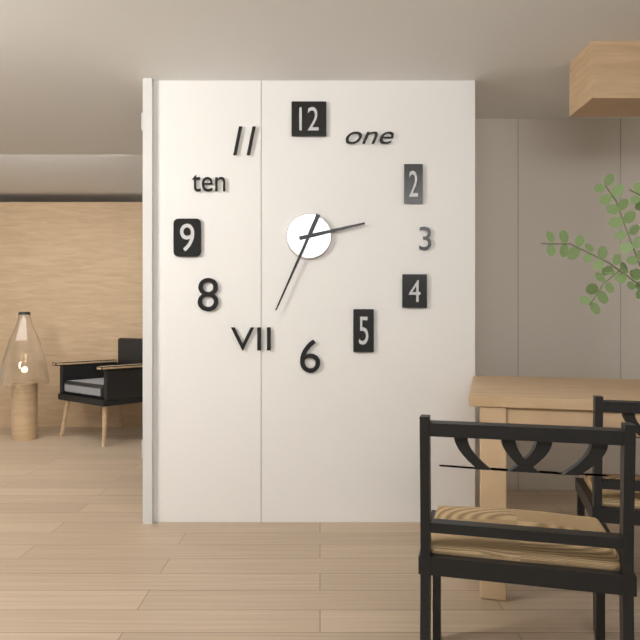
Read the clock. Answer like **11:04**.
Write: **2:34**
